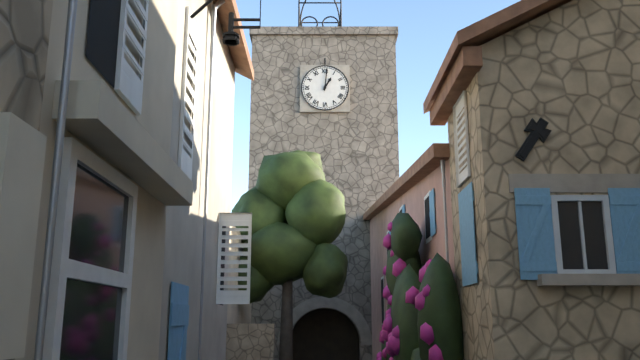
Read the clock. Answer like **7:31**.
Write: **1:01**
